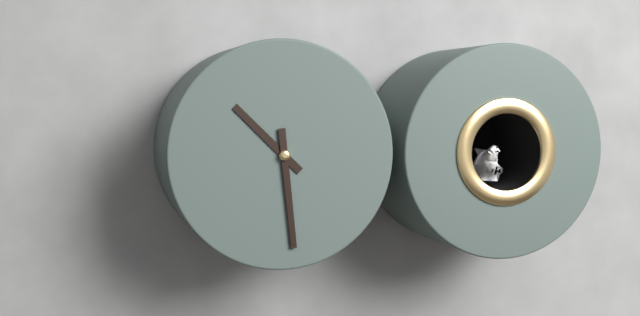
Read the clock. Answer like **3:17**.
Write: **10:29**
